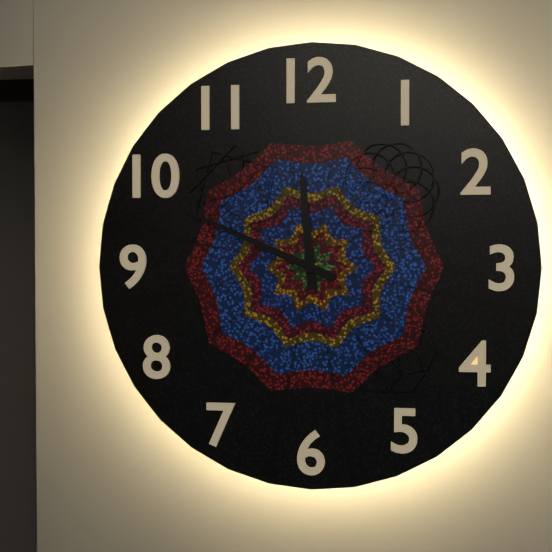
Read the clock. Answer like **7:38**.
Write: **11:49**
